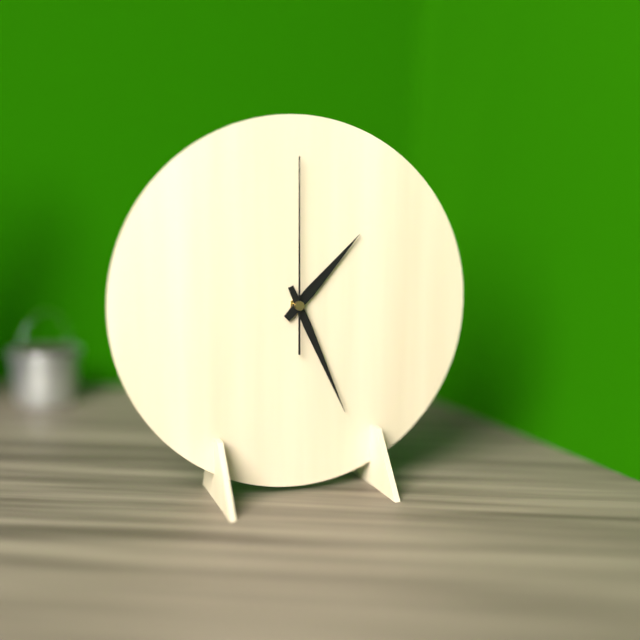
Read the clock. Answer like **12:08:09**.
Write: **1:26:00**
